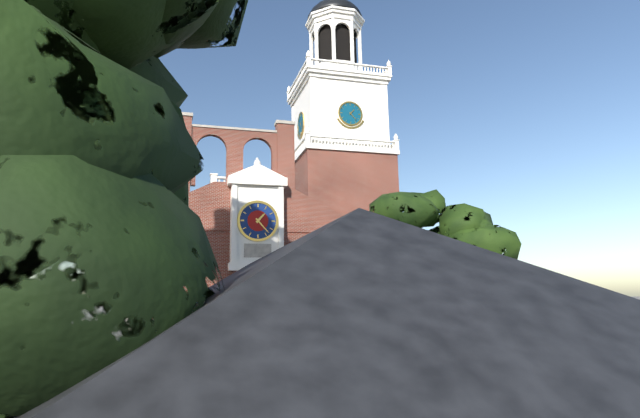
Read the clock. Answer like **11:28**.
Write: **1:23**
